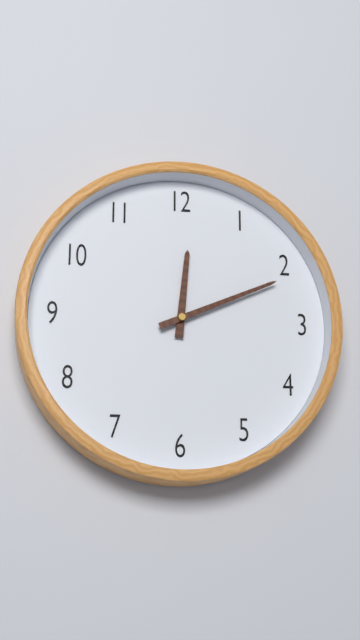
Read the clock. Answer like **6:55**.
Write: **12:11**
